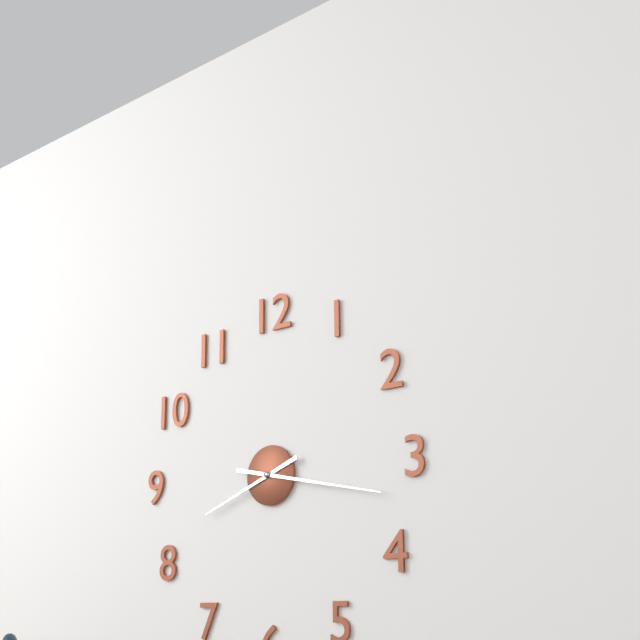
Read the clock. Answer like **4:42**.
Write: **8:17**
